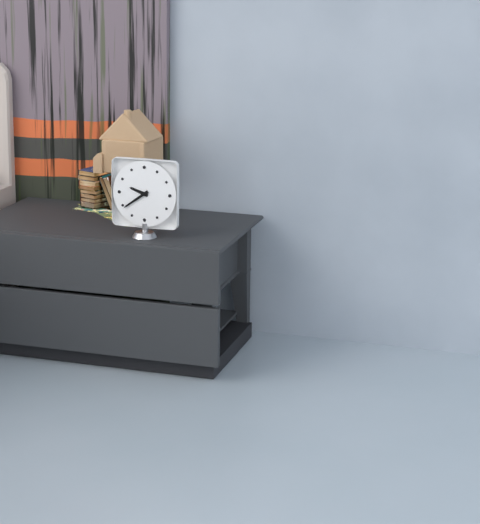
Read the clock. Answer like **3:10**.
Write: **9:39**
